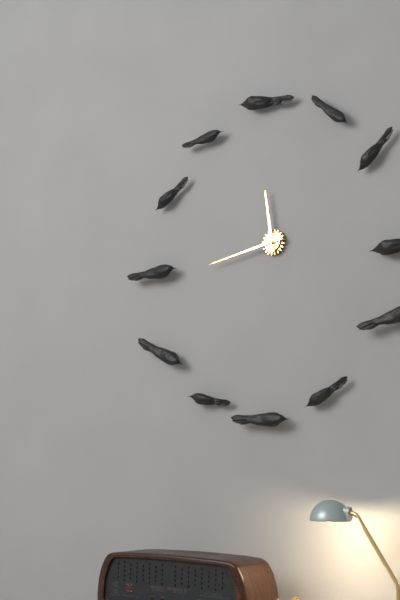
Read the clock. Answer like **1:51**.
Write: **11:43**
